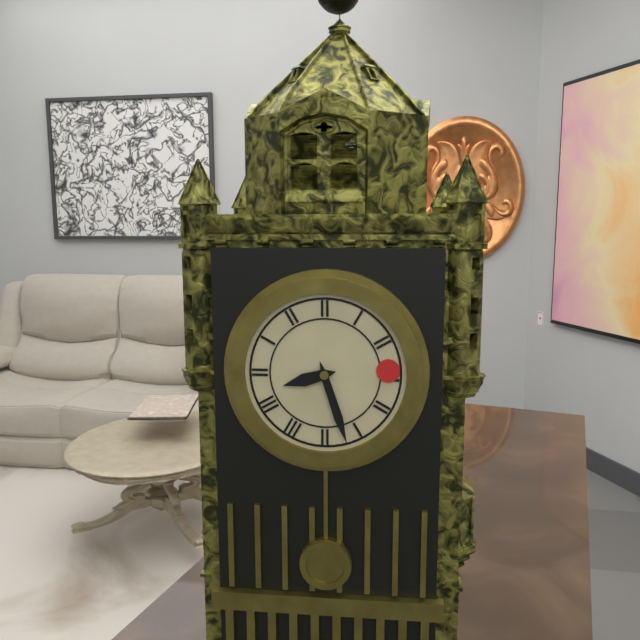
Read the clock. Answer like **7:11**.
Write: **8:27**
